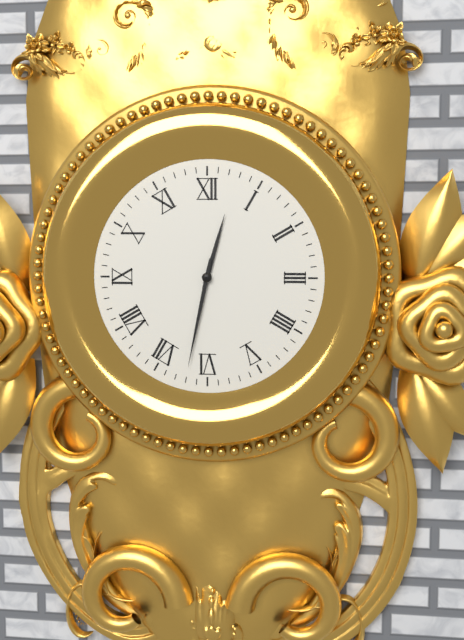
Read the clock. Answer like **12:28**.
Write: **12:32**
